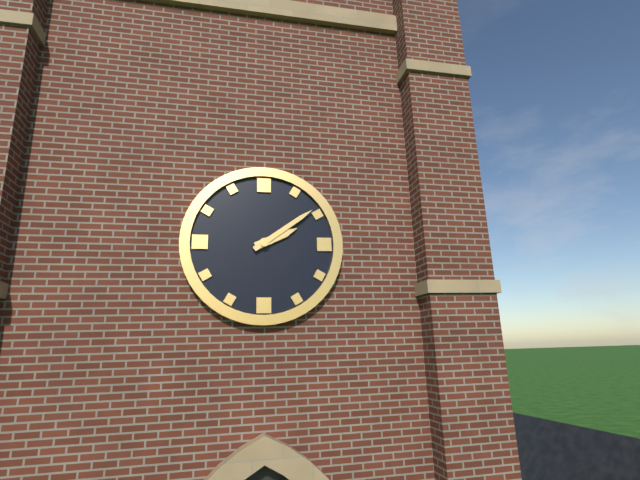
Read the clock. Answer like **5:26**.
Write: **2:09**
